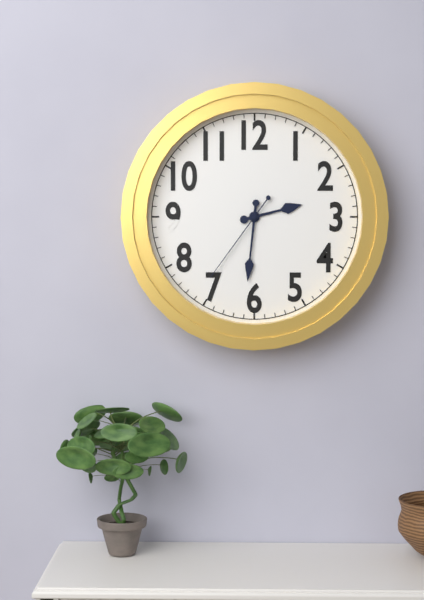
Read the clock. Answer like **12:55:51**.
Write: **2:31:36**
